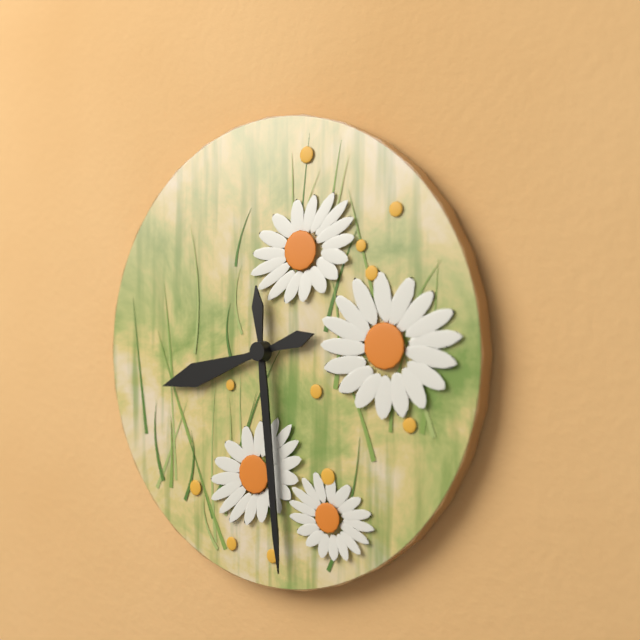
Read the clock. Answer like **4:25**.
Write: **8:29**
